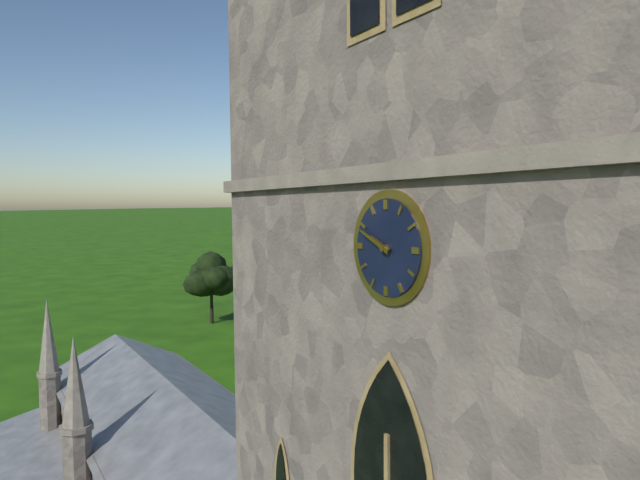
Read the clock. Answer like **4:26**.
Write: **9:49**
